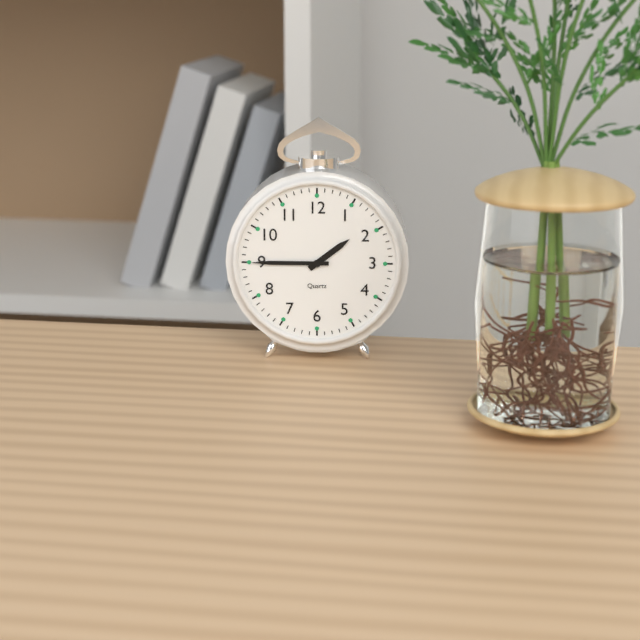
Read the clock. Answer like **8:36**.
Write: **1:45**
